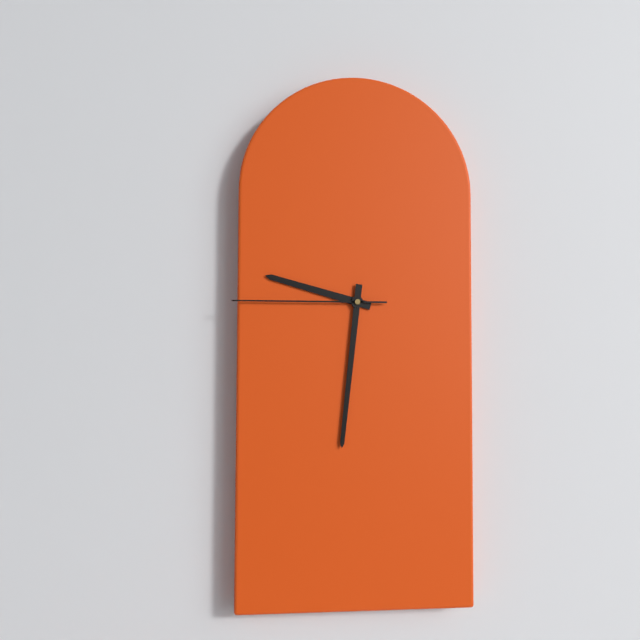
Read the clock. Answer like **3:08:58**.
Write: **9:31:45**
